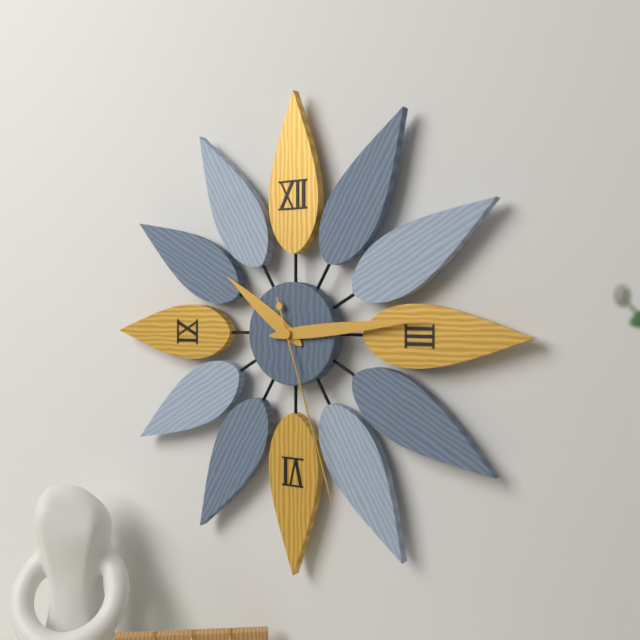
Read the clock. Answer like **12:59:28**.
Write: **10:14:27**
